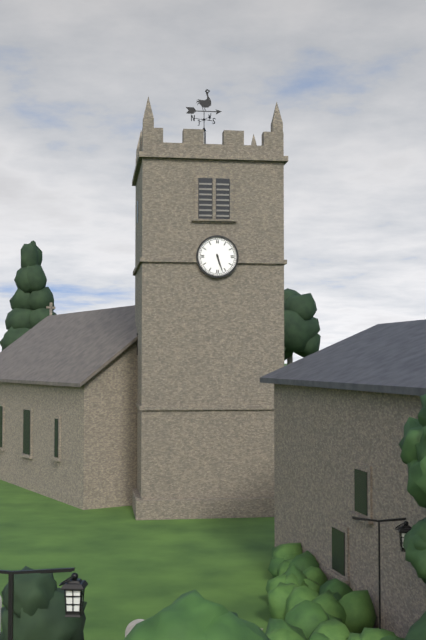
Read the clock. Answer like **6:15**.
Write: **5:27**
